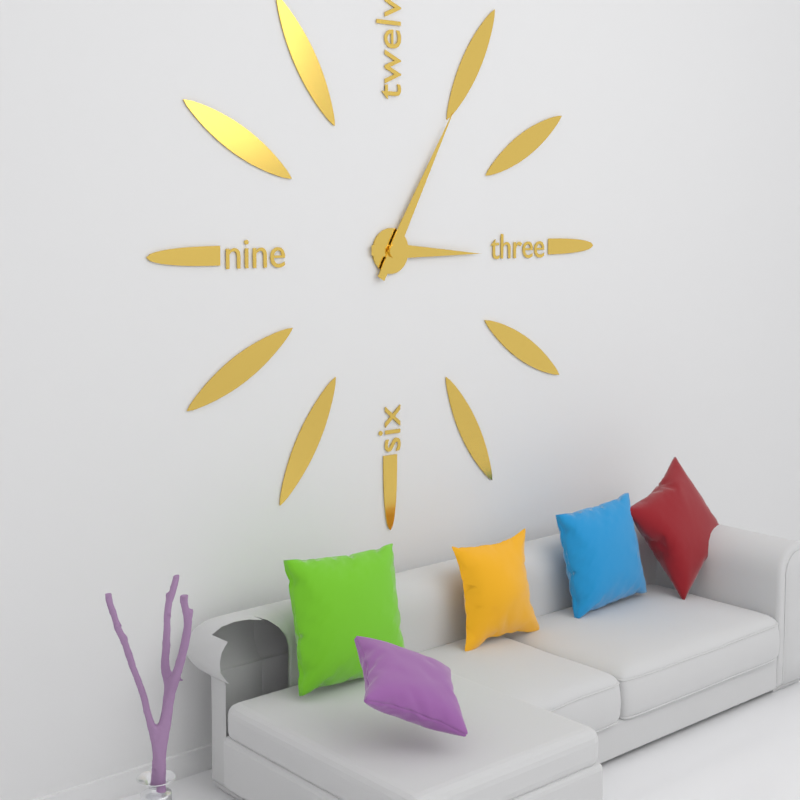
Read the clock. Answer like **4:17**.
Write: **3:05**
